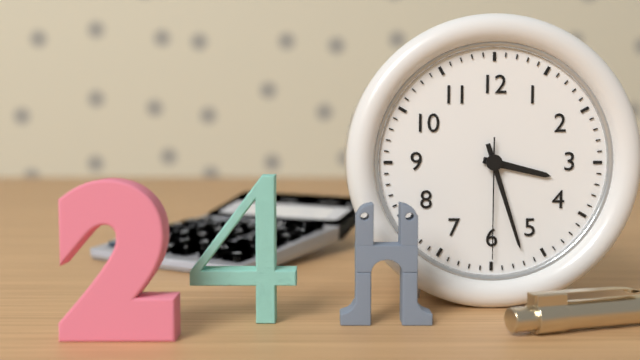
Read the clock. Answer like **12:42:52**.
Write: **3:27:30**
